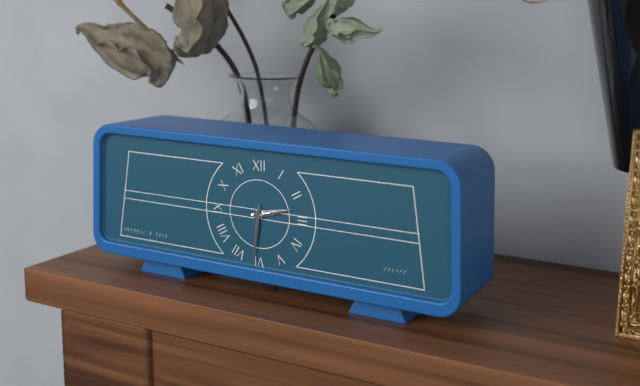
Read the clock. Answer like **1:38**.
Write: **2:31**
